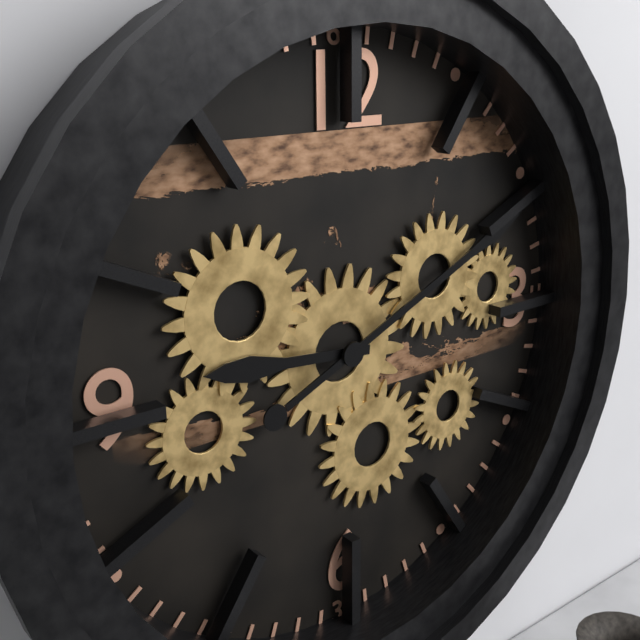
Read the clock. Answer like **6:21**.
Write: **9:11**
